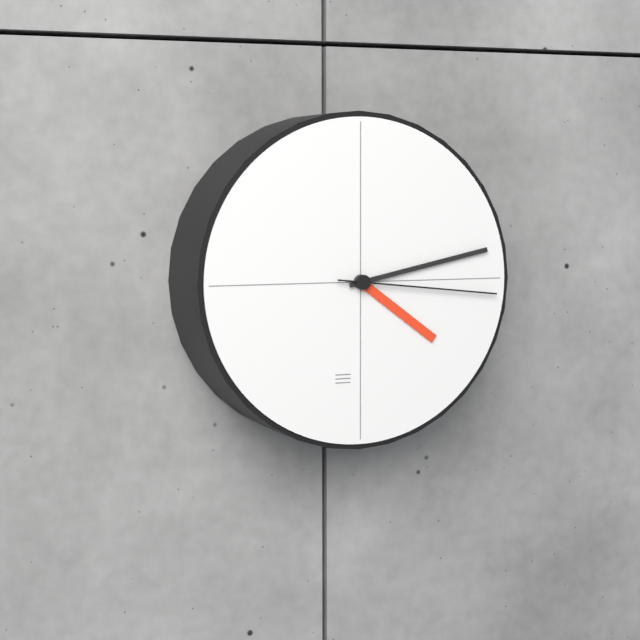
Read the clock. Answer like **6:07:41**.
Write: **4:13:16**
